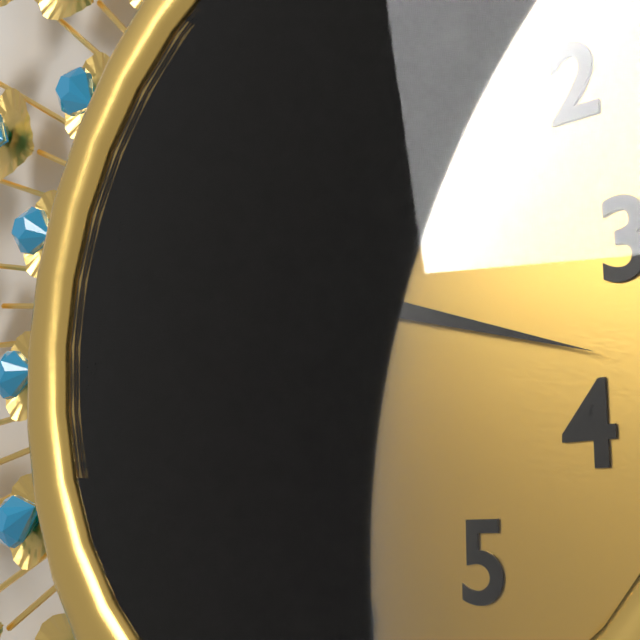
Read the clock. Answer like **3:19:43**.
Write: **7:18:39**
